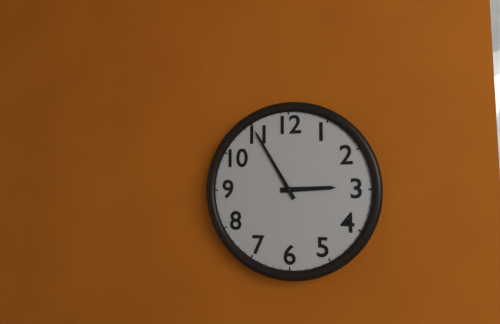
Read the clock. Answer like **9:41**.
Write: **2:55**
